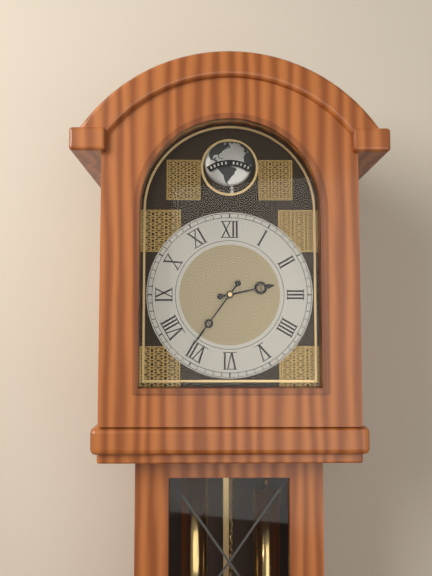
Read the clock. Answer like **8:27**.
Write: **2:36**
